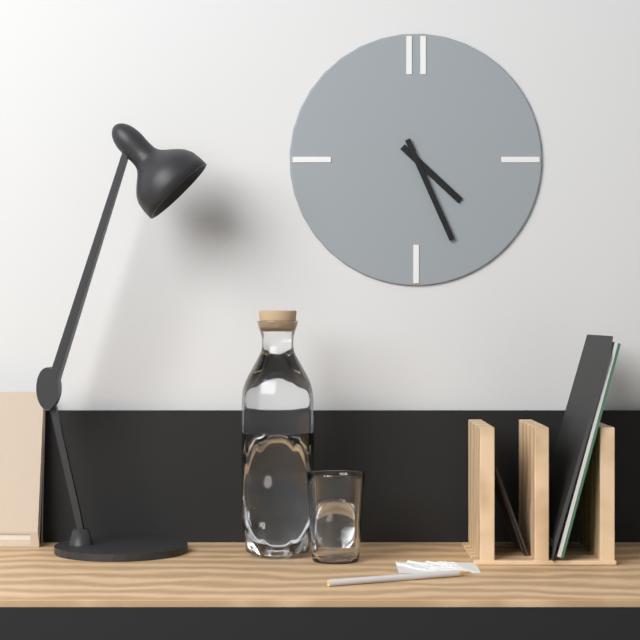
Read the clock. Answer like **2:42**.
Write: **4:26**
